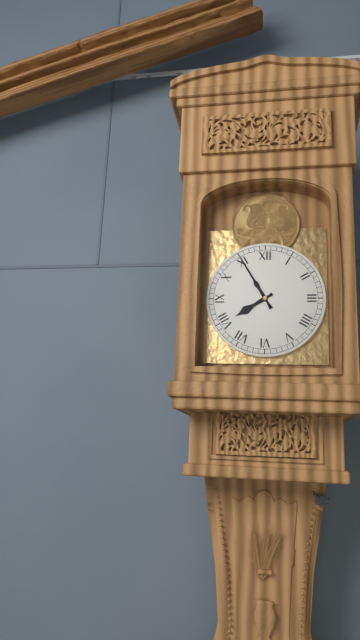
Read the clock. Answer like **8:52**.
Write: **7:55**
